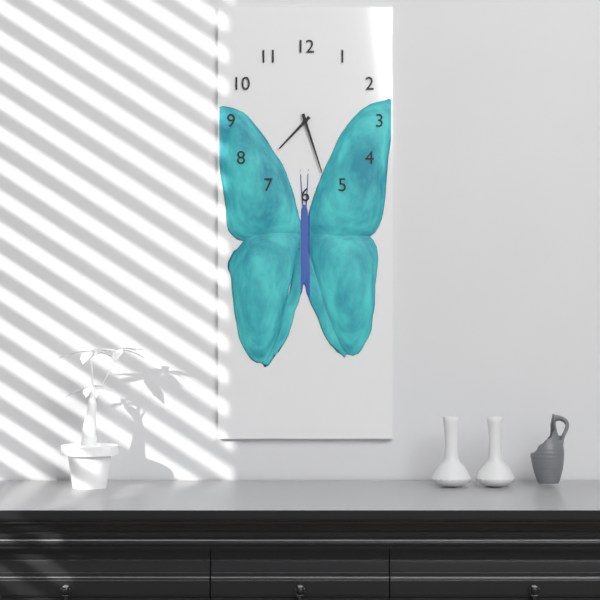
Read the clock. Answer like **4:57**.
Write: **7:27**
